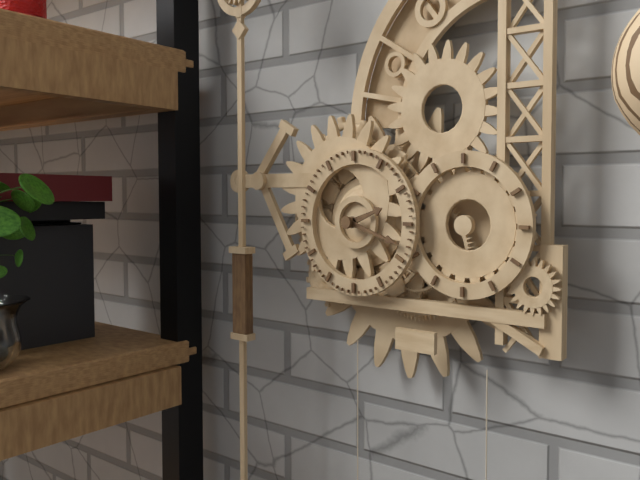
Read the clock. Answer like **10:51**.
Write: **2:18**
